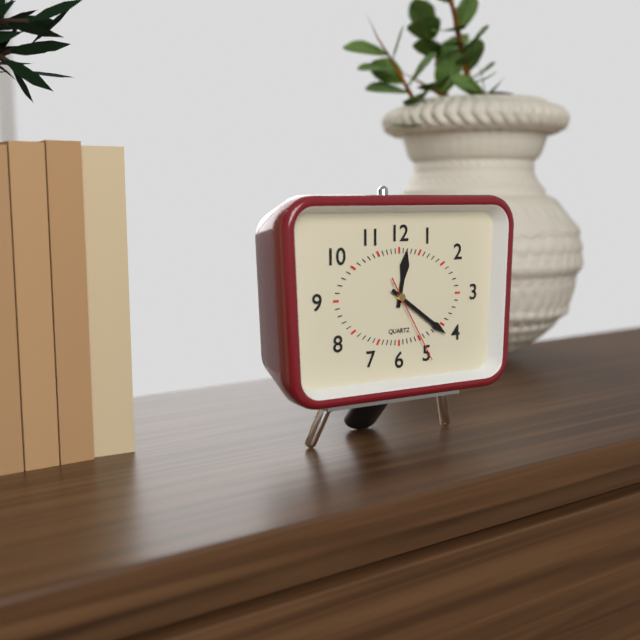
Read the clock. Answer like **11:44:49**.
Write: **12:21:25**
